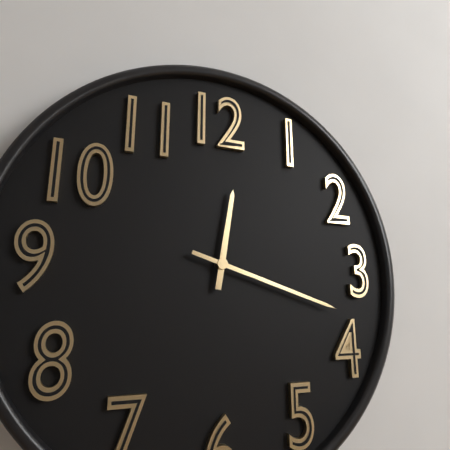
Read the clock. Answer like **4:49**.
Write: **12:18**
